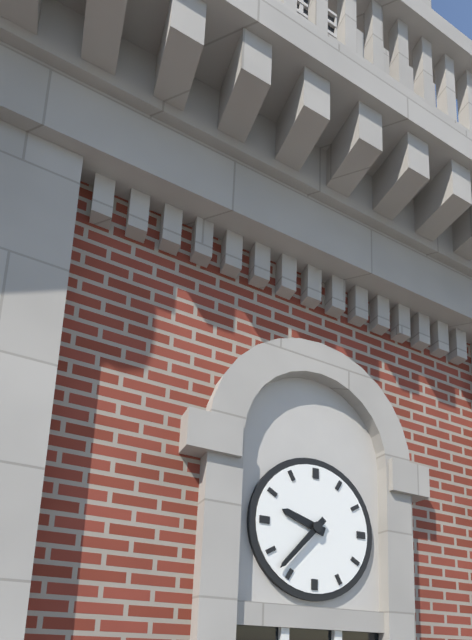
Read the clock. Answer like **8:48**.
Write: **9:37**
